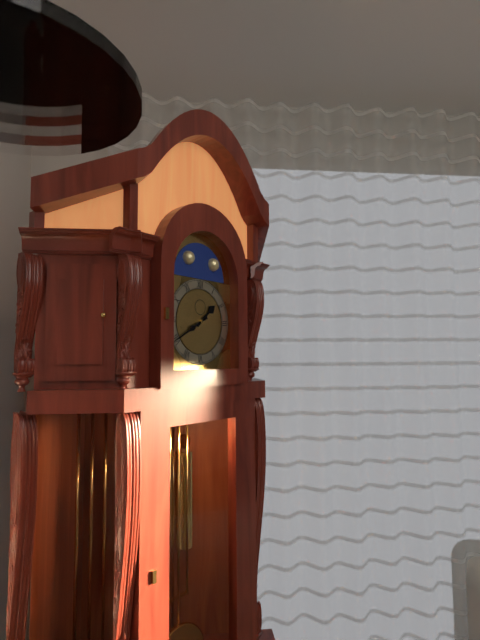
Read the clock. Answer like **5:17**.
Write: **1:40**
